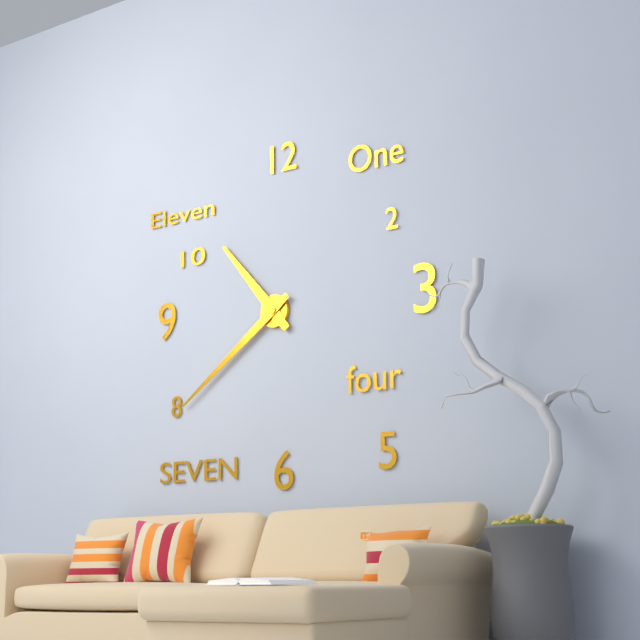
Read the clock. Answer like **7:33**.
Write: **10:39**
